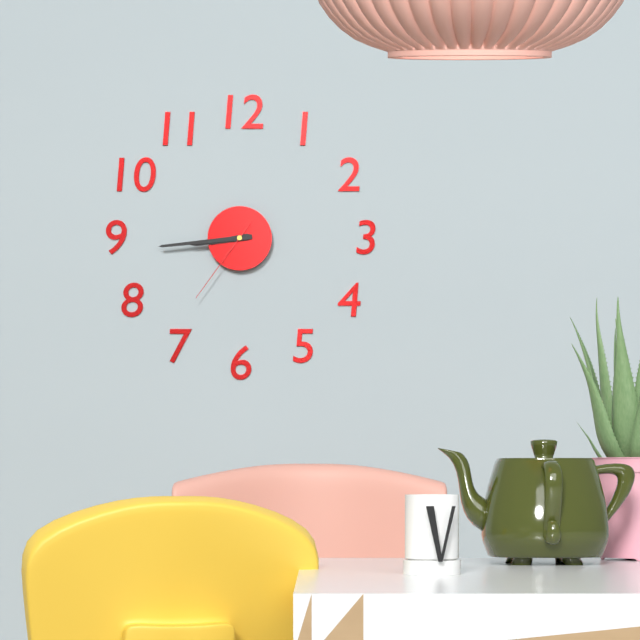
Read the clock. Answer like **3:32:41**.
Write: **8:44:36**
